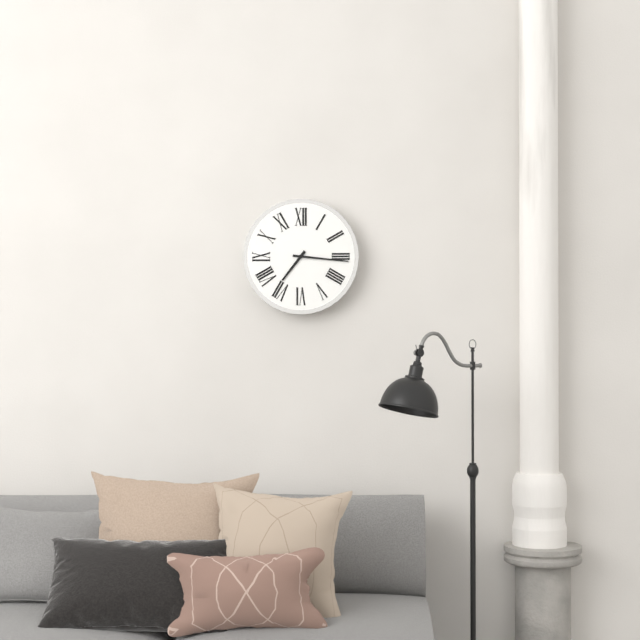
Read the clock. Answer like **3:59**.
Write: **7:16**
